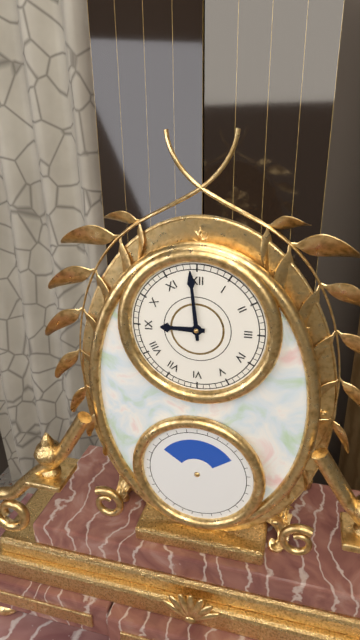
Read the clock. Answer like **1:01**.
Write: **8:59**
